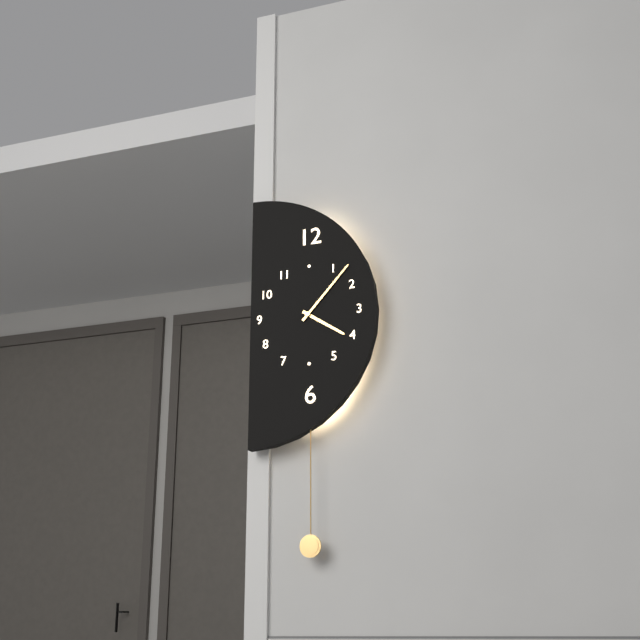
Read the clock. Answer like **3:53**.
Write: **4:07**
